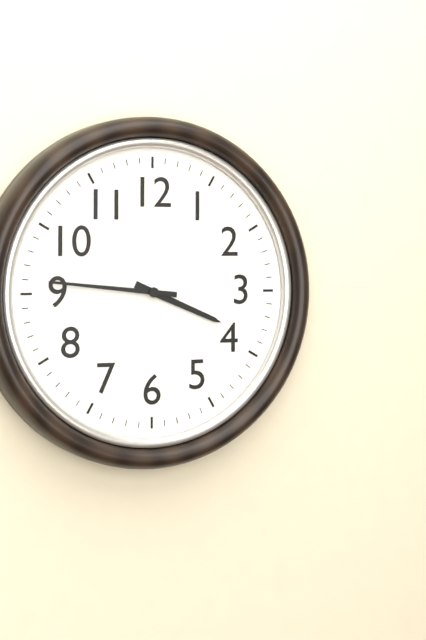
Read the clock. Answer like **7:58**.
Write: **3:46**
